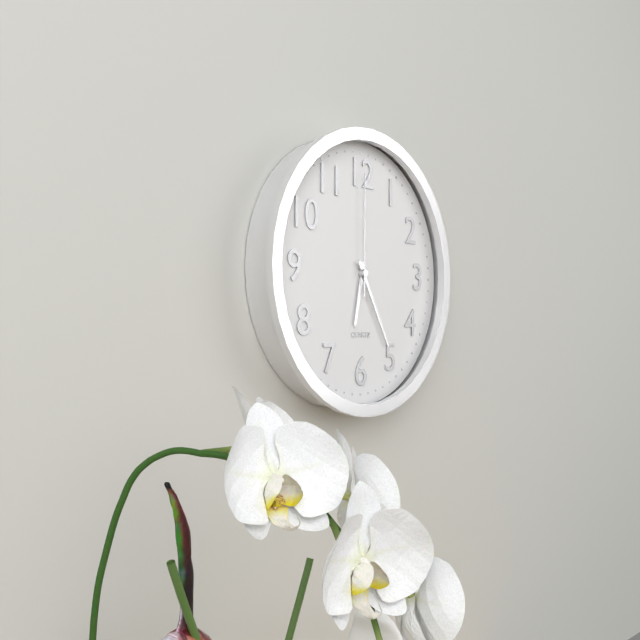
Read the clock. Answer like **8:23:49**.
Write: **6:25:00**
